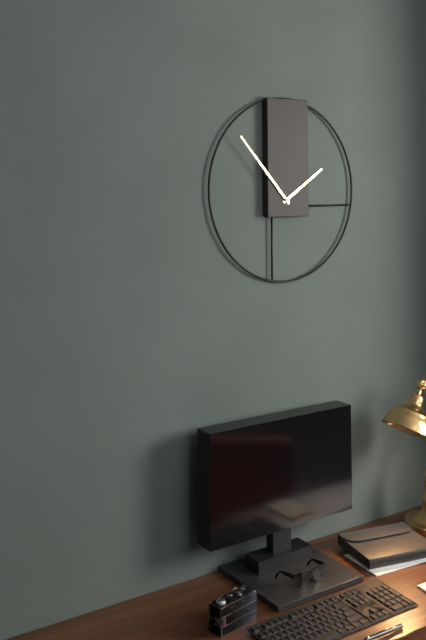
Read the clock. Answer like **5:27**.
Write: **1:53**
